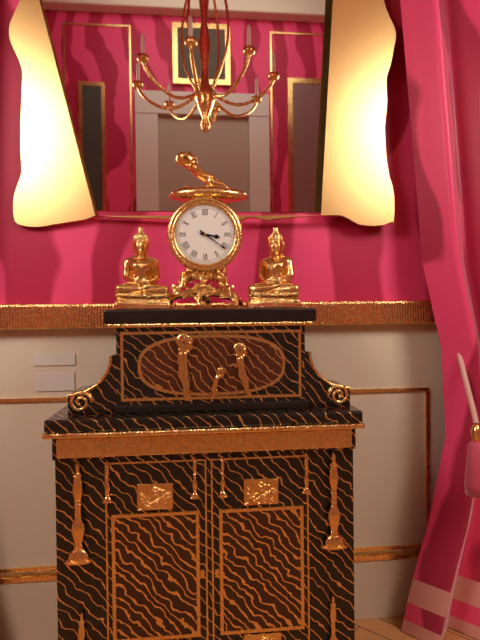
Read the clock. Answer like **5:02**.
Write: **3:21**
